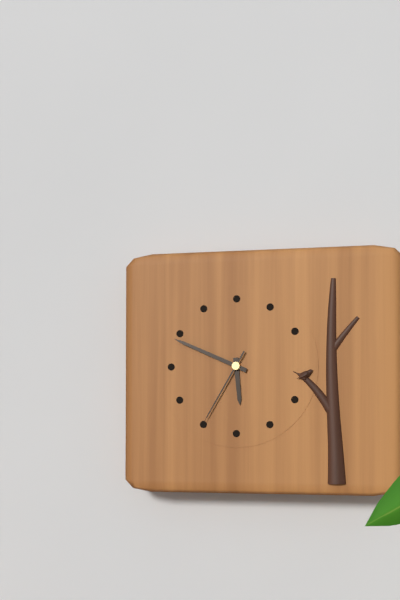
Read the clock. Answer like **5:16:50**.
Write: **5:49:35**
